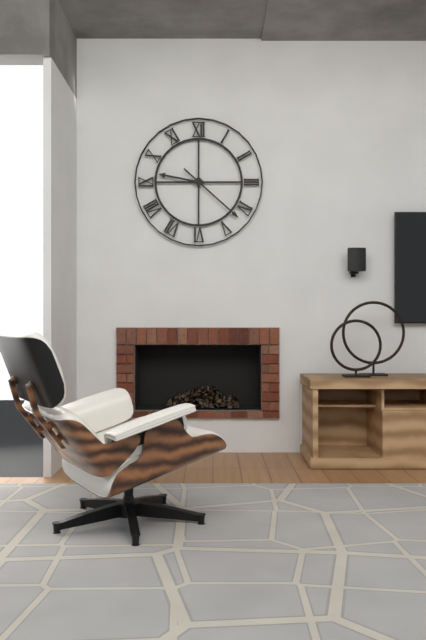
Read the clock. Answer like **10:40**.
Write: **9:22**
